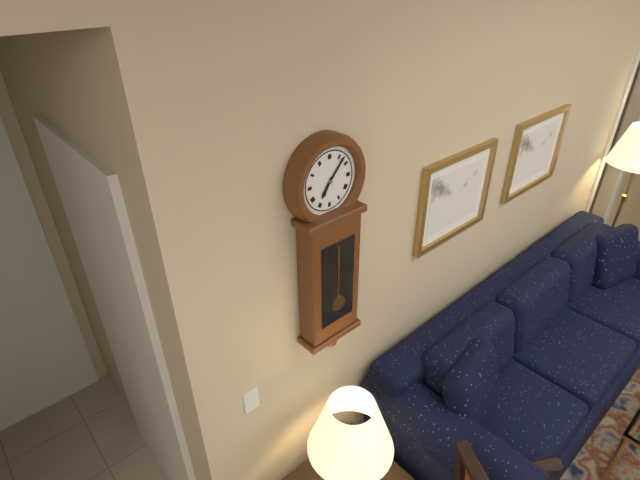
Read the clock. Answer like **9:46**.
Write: **7:07**
